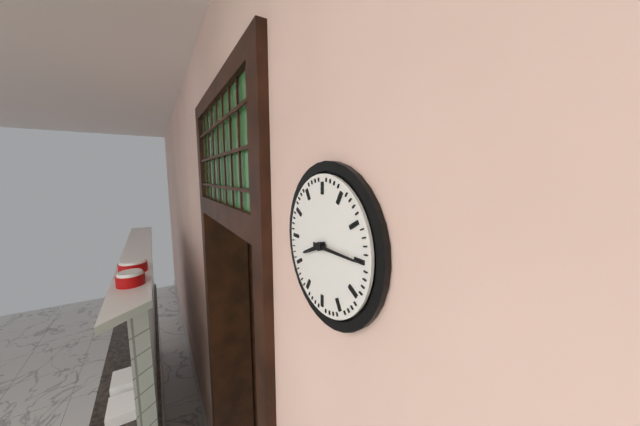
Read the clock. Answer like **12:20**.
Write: **8:15**
